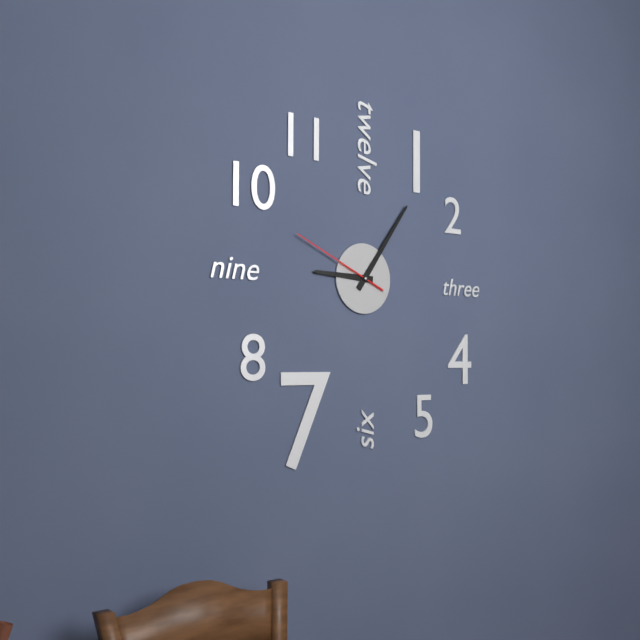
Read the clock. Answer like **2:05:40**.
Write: **9:06:49**
